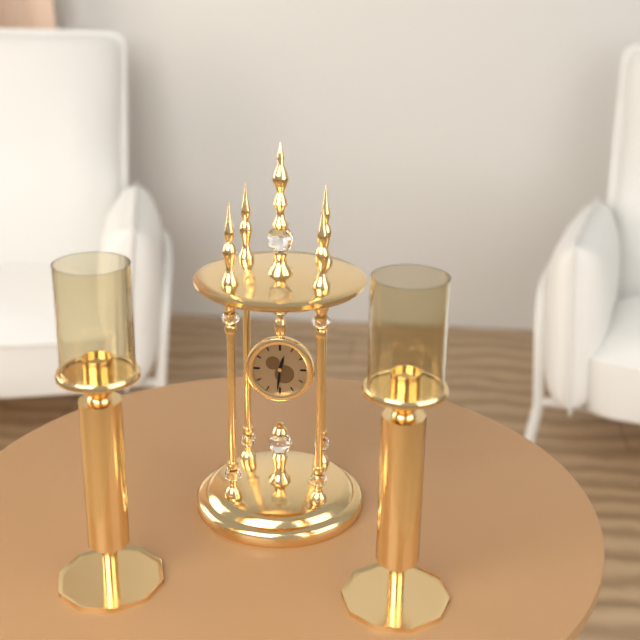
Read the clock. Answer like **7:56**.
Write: **12:31**
